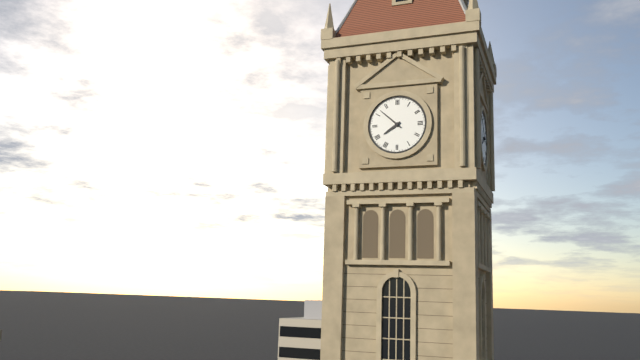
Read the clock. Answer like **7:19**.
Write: **7:52**
